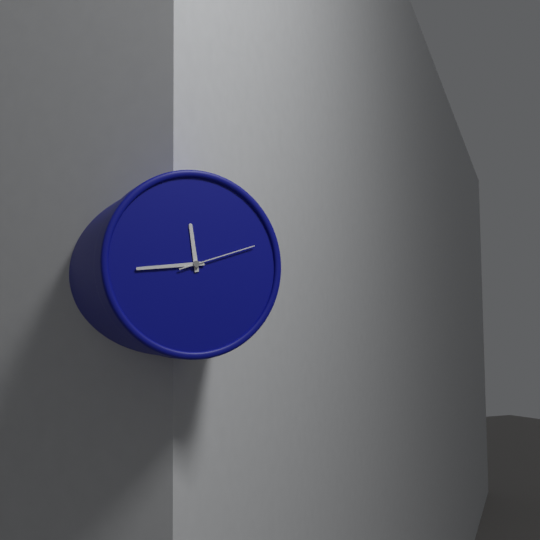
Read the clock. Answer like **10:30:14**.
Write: **11:44:12**
